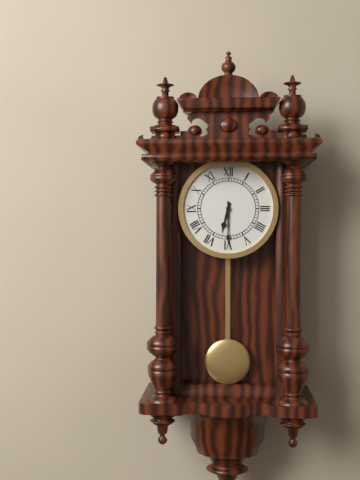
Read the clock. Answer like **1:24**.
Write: **6:30**
